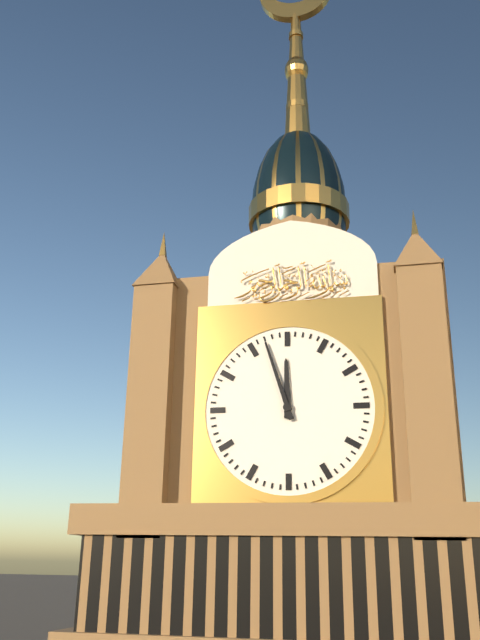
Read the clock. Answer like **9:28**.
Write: **11:57**
